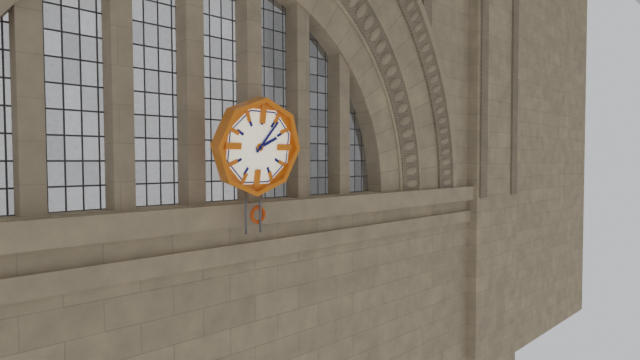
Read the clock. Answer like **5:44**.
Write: **2:06**
